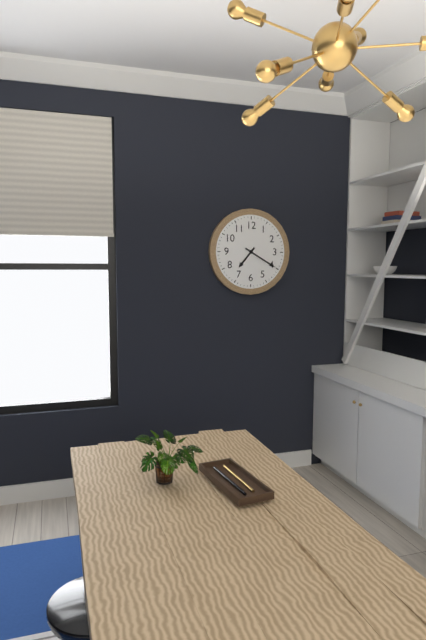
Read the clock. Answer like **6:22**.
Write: **7:20**
